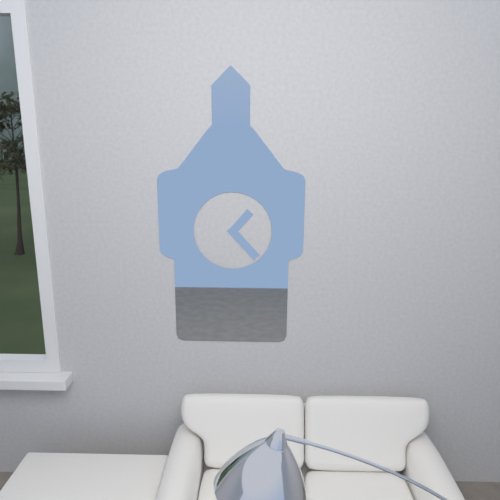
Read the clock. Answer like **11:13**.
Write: **1:23**
